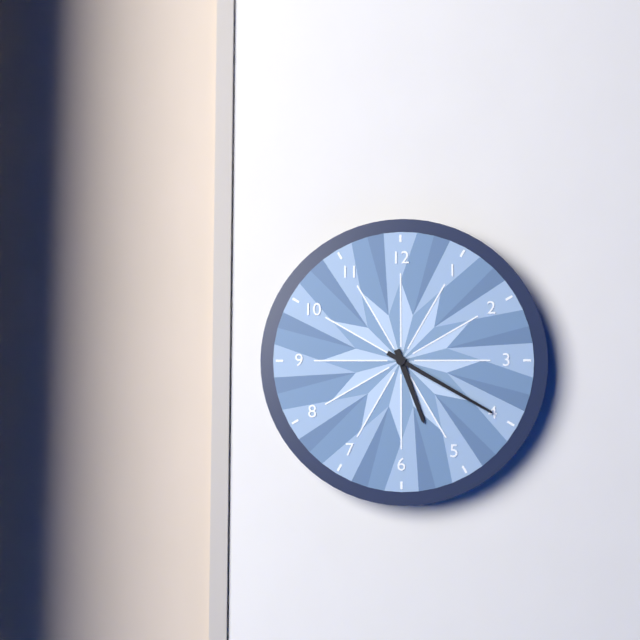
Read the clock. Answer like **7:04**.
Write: **5:20**
